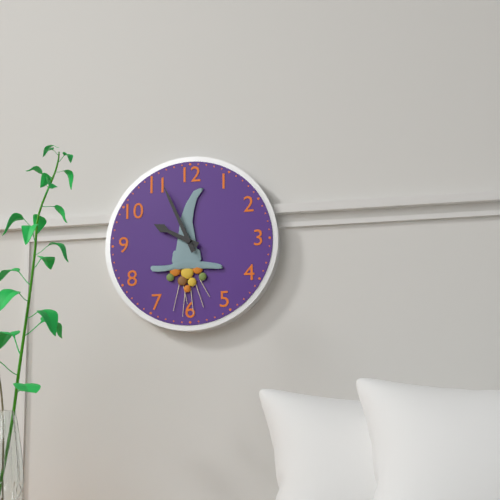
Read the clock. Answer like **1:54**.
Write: **9:56**
